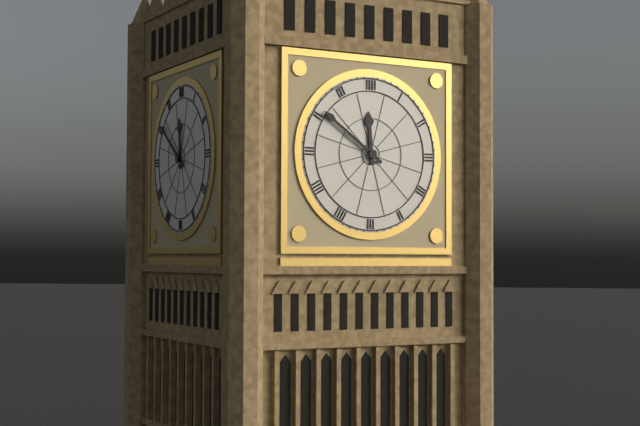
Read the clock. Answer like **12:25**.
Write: **11:51**
